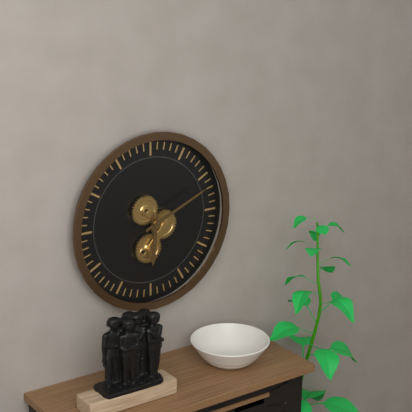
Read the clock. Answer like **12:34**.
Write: **6:11**
